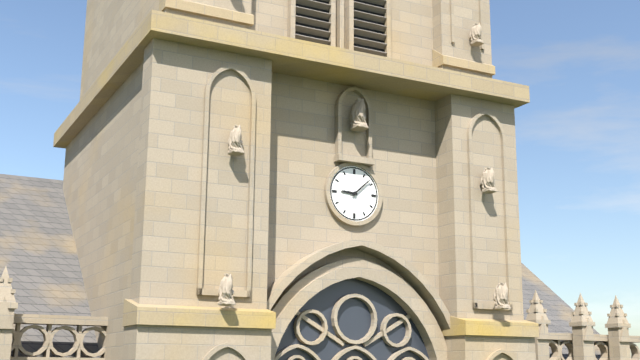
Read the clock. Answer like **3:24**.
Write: **9:08**
